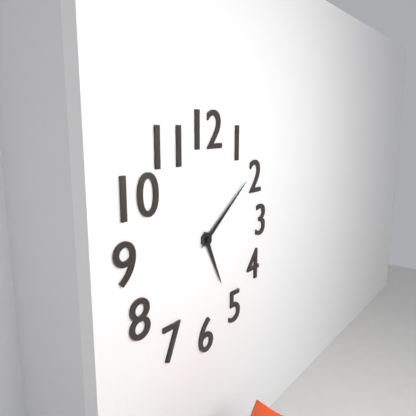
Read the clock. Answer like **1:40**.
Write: **5:09**
